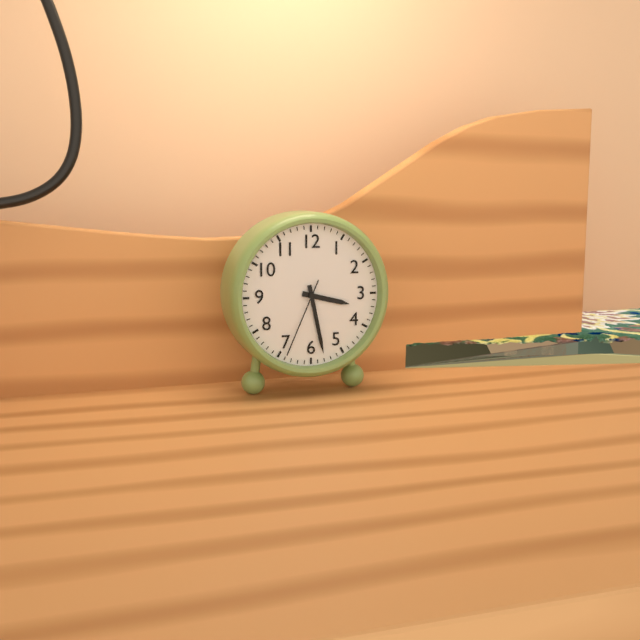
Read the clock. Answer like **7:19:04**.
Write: **3:28:34**
